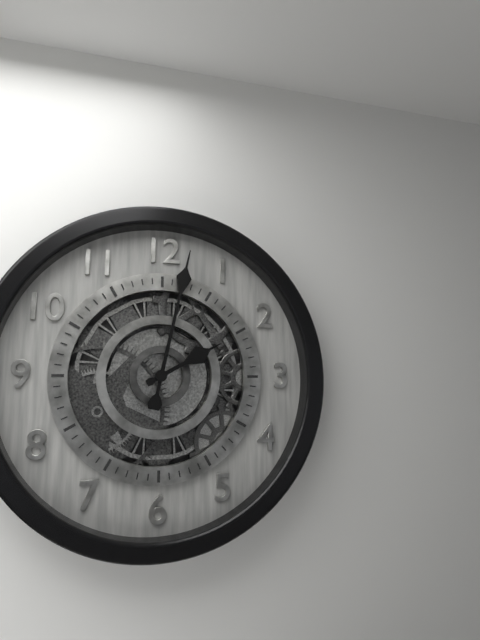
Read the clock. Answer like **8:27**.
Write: **2:02**
